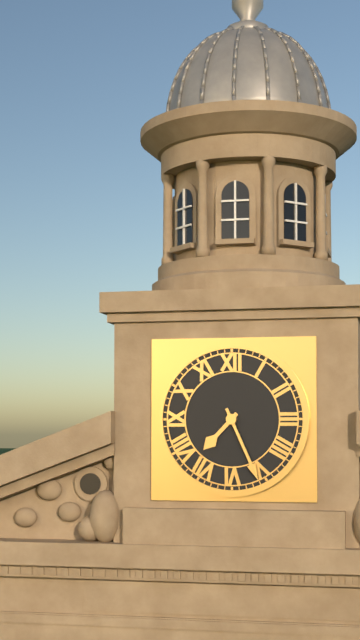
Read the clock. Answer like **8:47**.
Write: **7:26**
